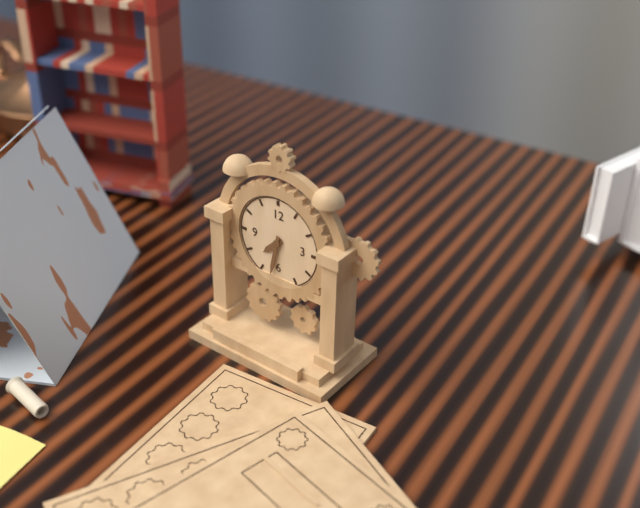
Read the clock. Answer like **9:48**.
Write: **7:32**
